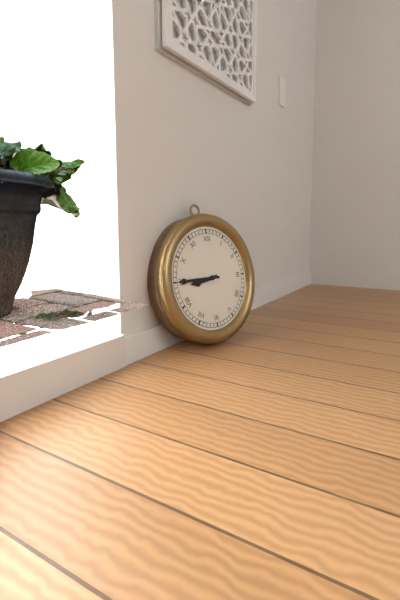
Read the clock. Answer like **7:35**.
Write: **8:45**
